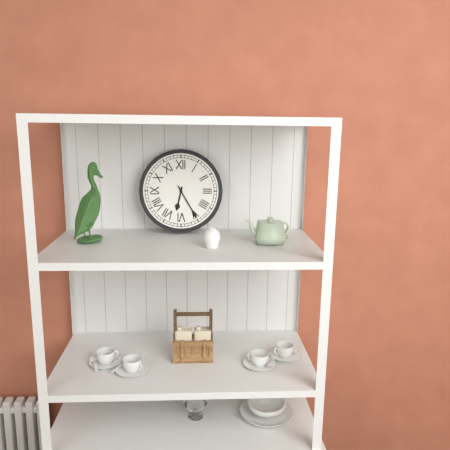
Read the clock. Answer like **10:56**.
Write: **6:25**
